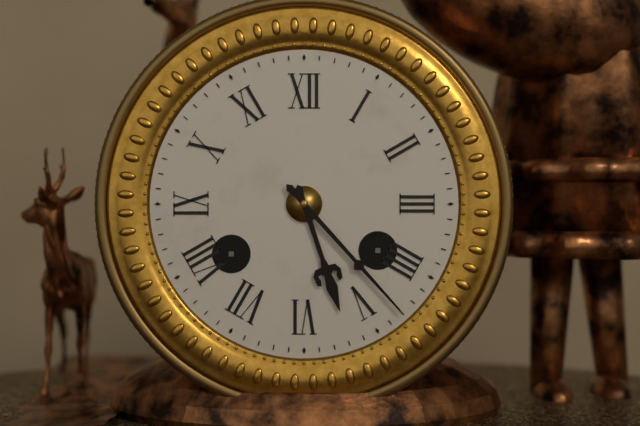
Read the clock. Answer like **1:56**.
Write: **5:23**
